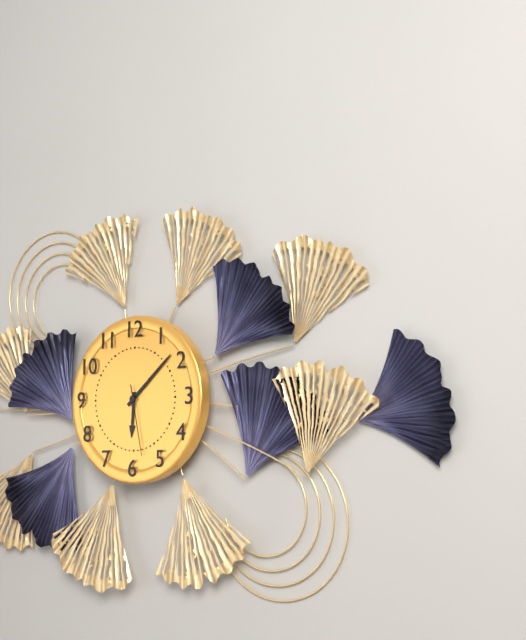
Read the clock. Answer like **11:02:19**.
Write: **6:08:28**
